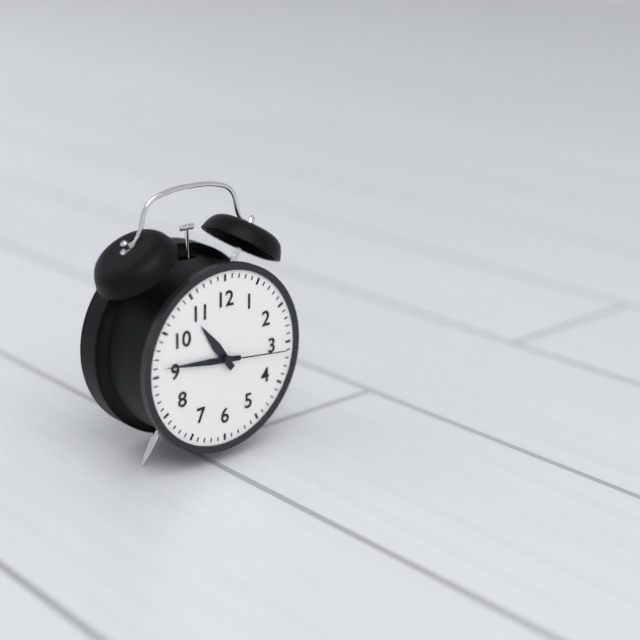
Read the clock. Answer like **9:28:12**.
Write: **10:46:16**
